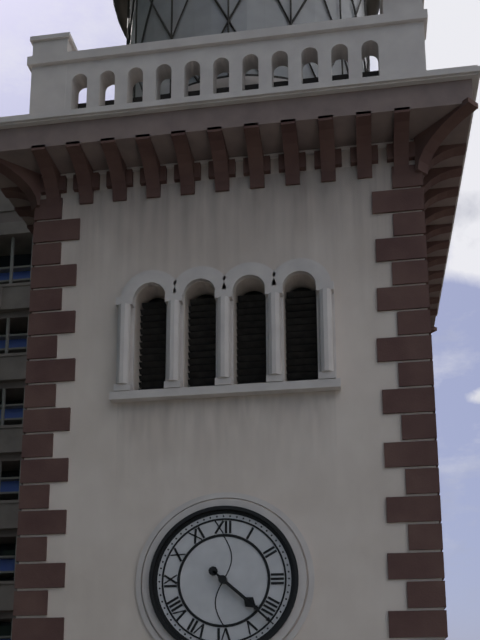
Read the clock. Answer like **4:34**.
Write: **4:22**
